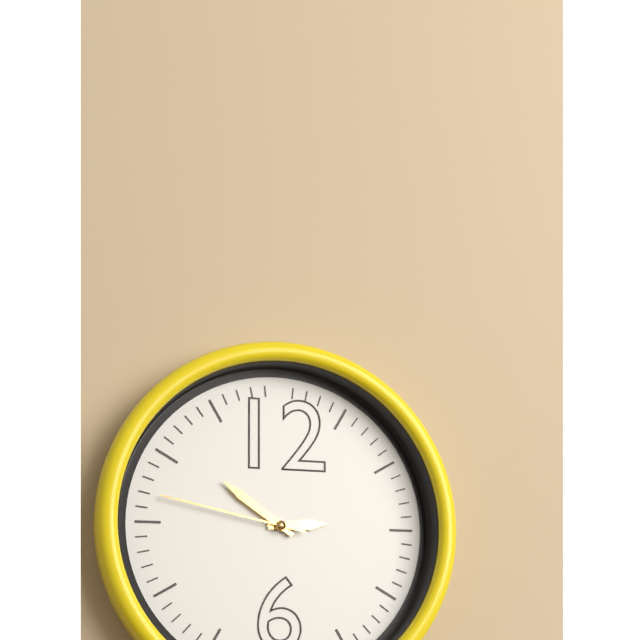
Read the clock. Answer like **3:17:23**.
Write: **2:51:47**
